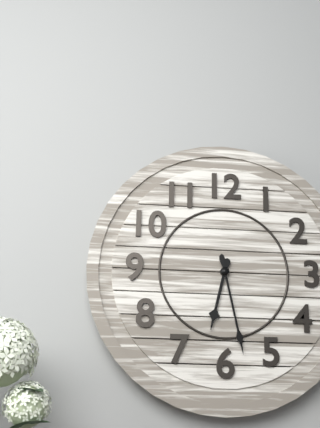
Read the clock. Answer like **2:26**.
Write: **6:28**
